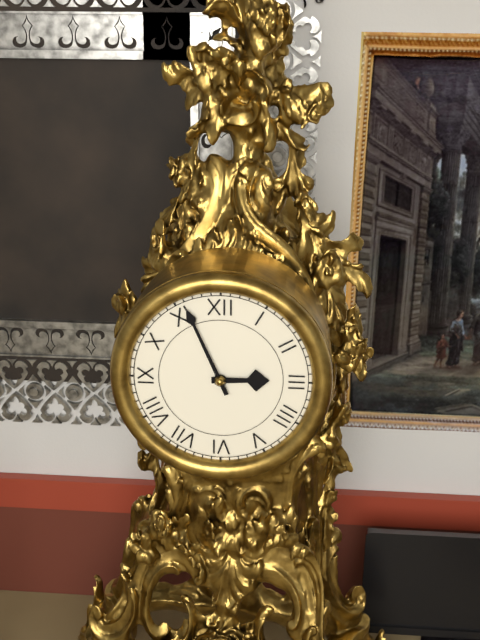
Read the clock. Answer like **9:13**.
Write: **2:56**
